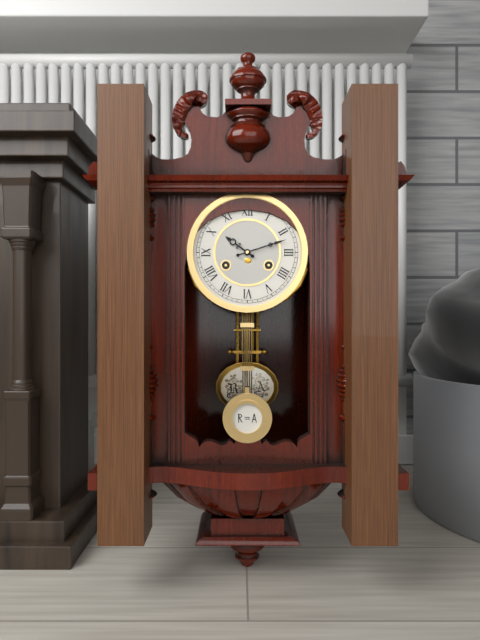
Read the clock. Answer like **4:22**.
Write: **10:12**
